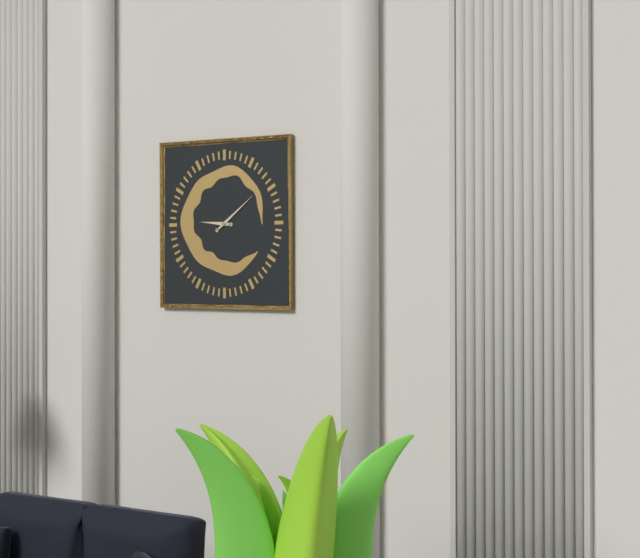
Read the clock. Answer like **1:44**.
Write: **9:09**
